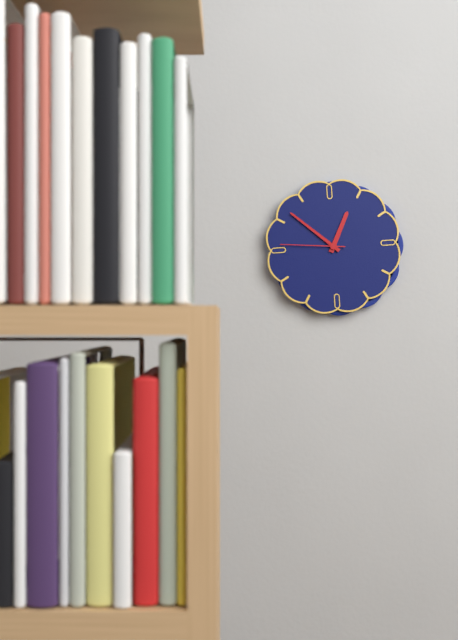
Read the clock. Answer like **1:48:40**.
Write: **12:52:46**
